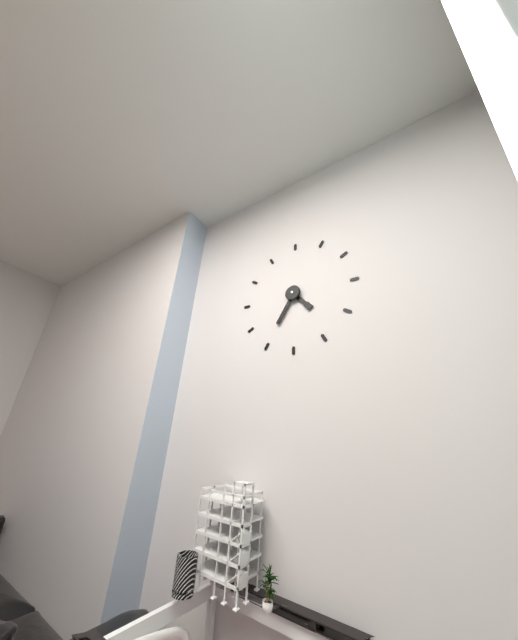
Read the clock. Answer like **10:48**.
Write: **4:35**
